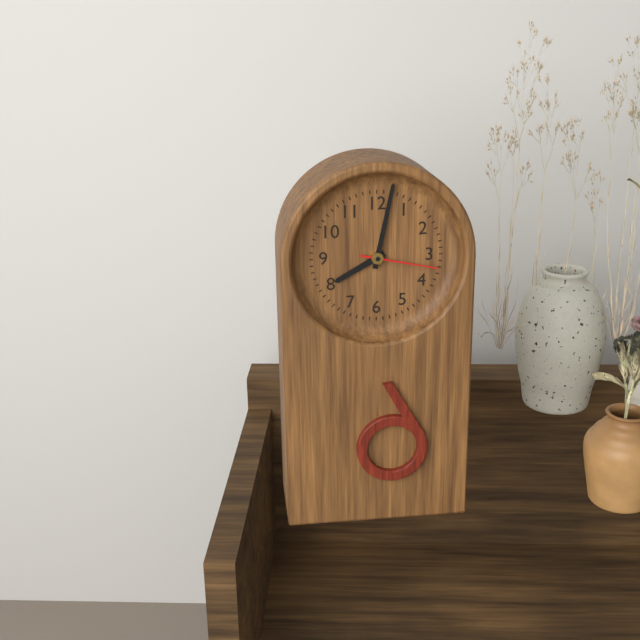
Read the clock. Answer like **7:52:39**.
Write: **8:02:17**
